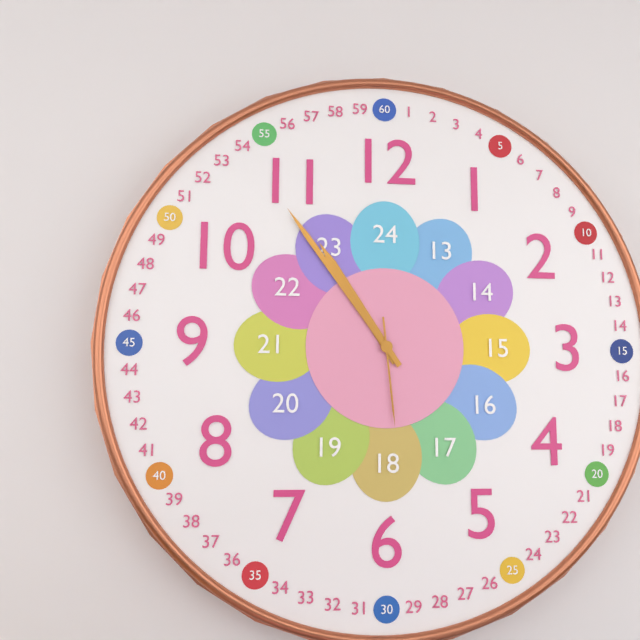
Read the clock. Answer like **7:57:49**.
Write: **10:54:29**
